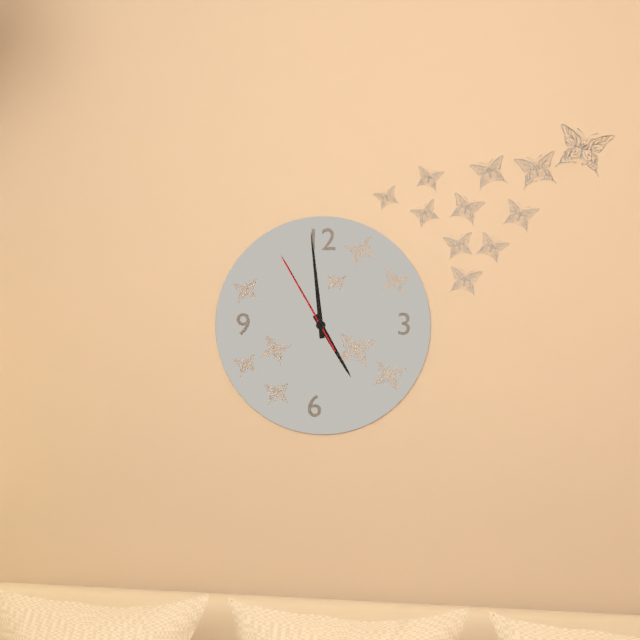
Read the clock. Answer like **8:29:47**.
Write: **4:59:55**
